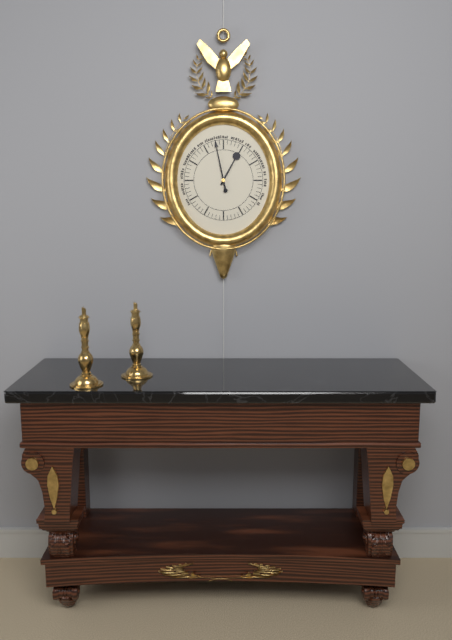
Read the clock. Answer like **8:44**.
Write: **12:58**
